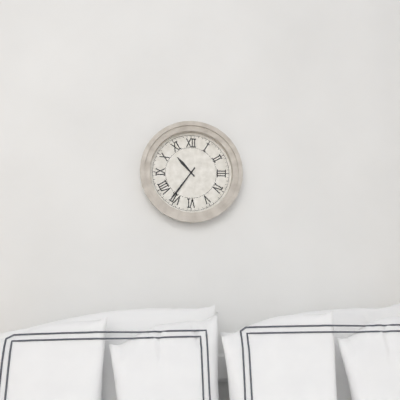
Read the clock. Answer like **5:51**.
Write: **10:36**
